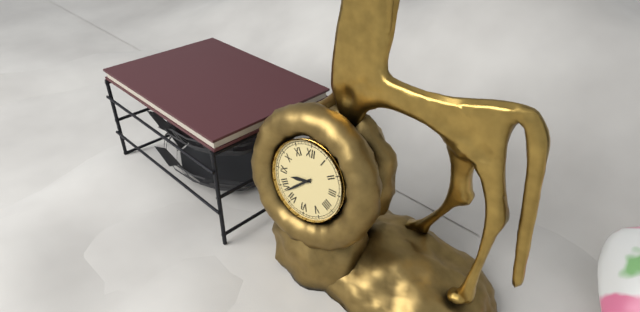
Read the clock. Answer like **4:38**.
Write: **8:38**
